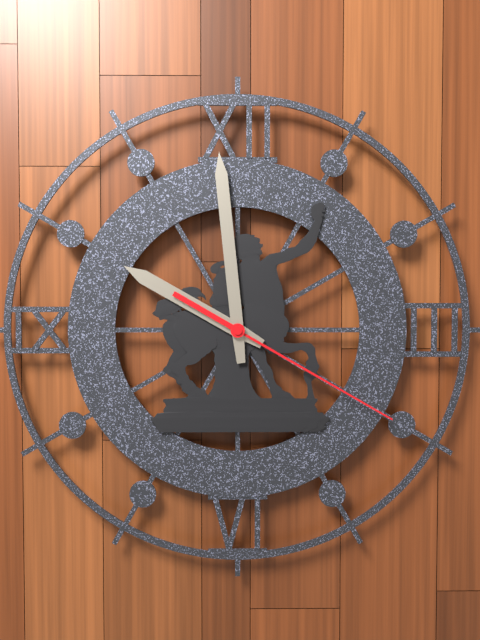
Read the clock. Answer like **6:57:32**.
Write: **9:59:20**
